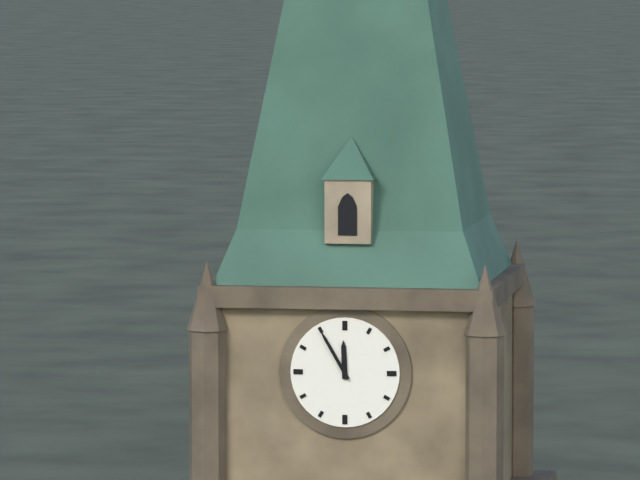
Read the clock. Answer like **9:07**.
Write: **11:55**
